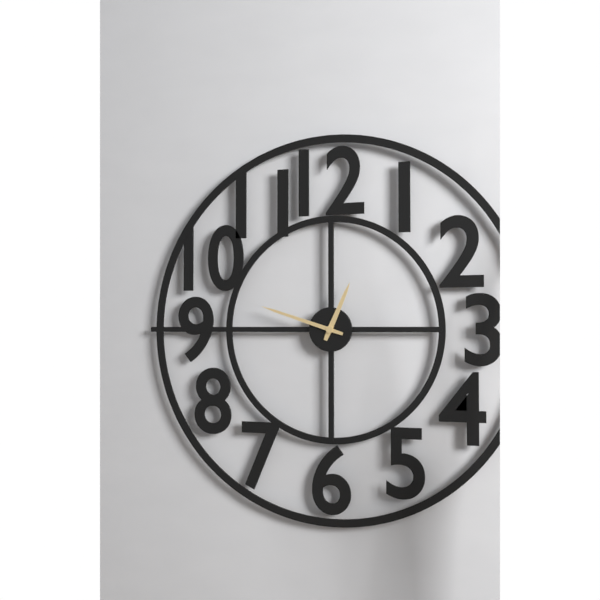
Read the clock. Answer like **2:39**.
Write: **12:48**
